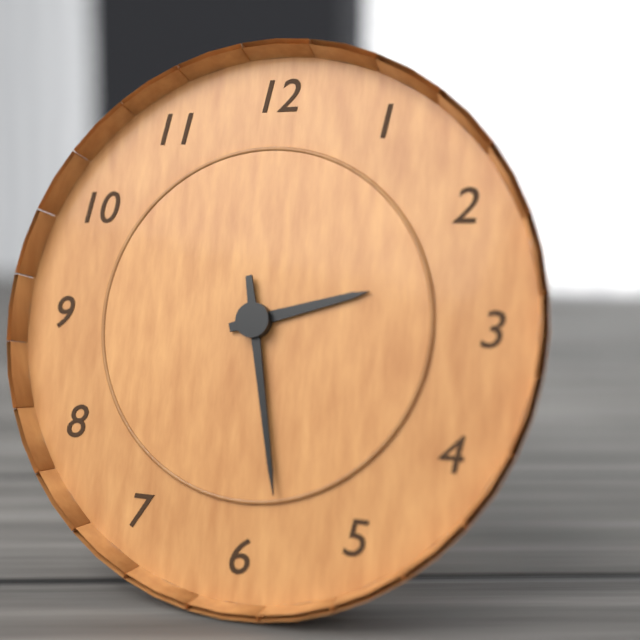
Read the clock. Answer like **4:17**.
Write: **2:28**
